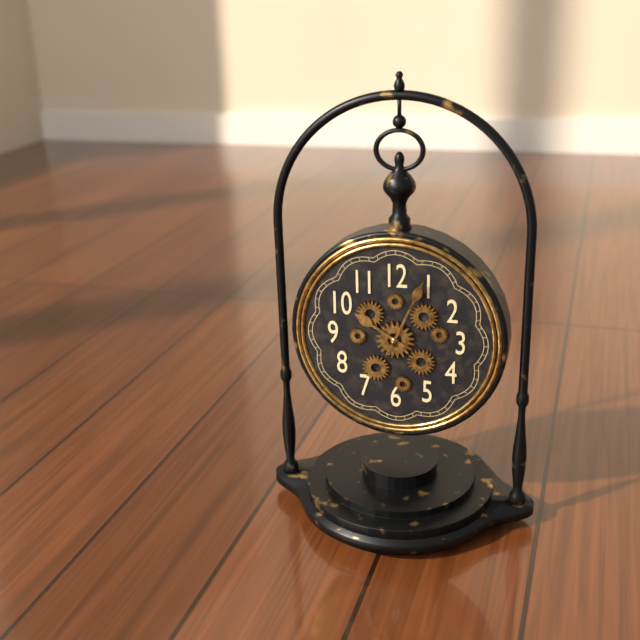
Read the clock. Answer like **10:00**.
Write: **10:04**
